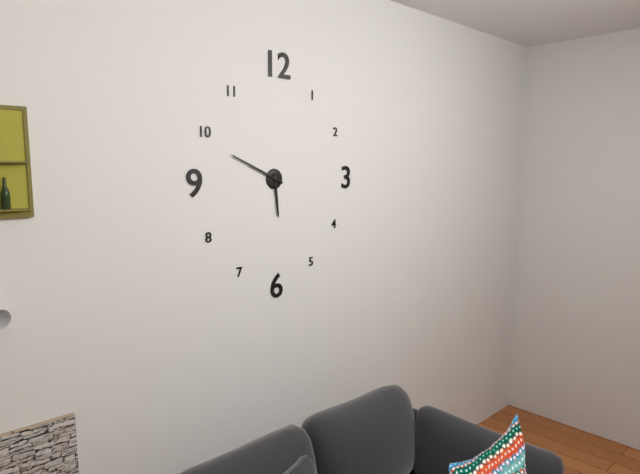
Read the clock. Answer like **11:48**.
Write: **5:49**
